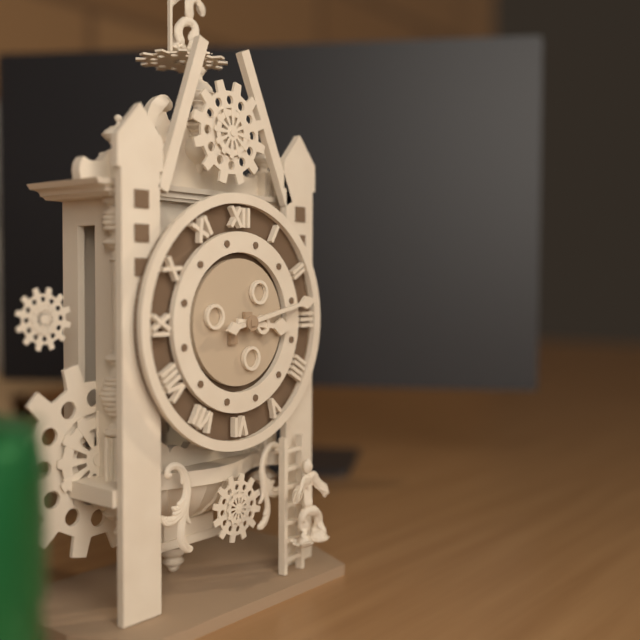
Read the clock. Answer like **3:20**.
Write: **3:13**
